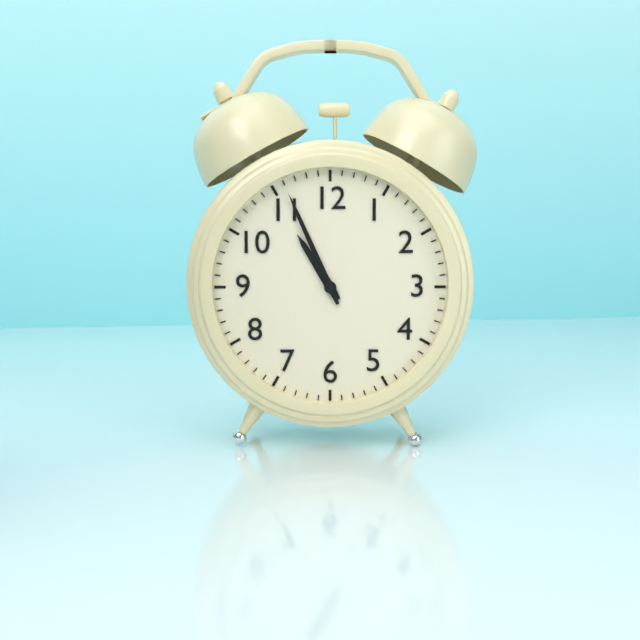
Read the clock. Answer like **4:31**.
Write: **10:56**
